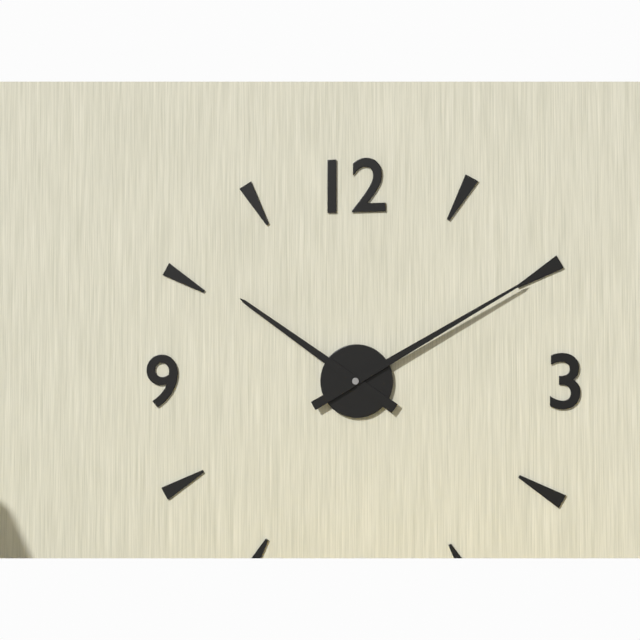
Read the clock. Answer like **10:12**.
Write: **10:10**
